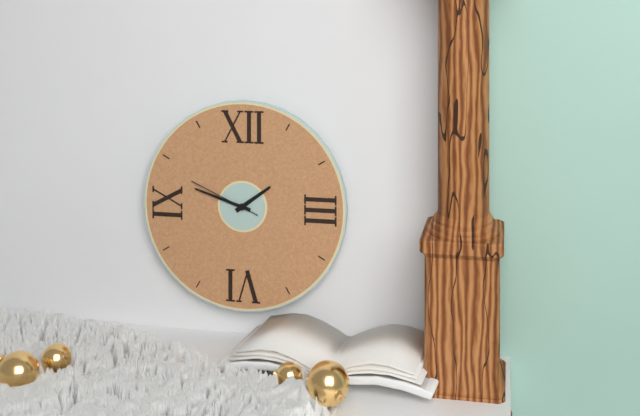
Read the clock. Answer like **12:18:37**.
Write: **1:48:49**
